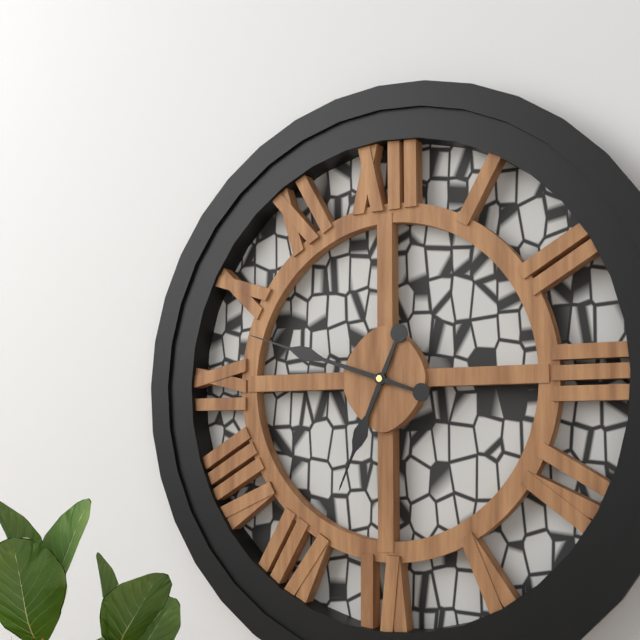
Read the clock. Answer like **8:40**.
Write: **6:48**
